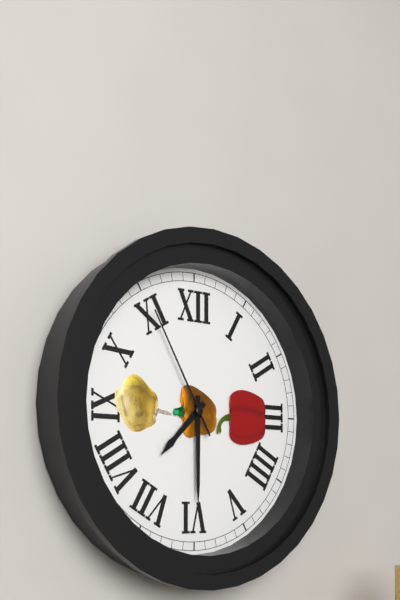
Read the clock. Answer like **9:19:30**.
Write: **7:30:55**
